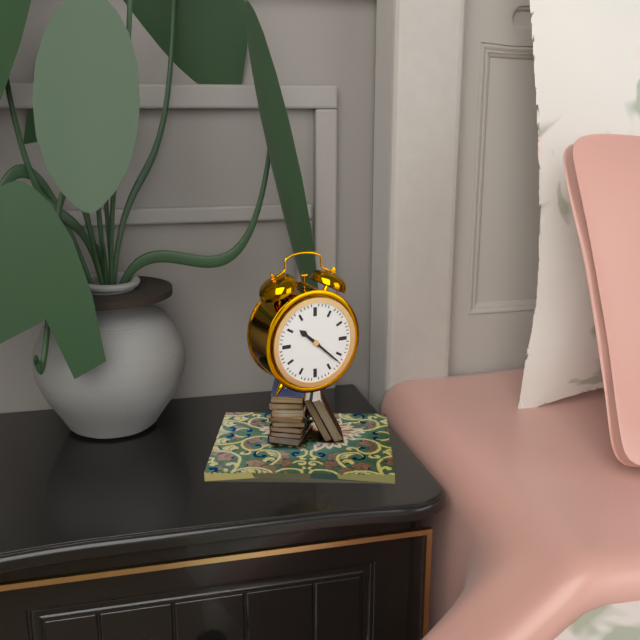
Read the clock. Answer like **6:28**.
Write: **10:22**
